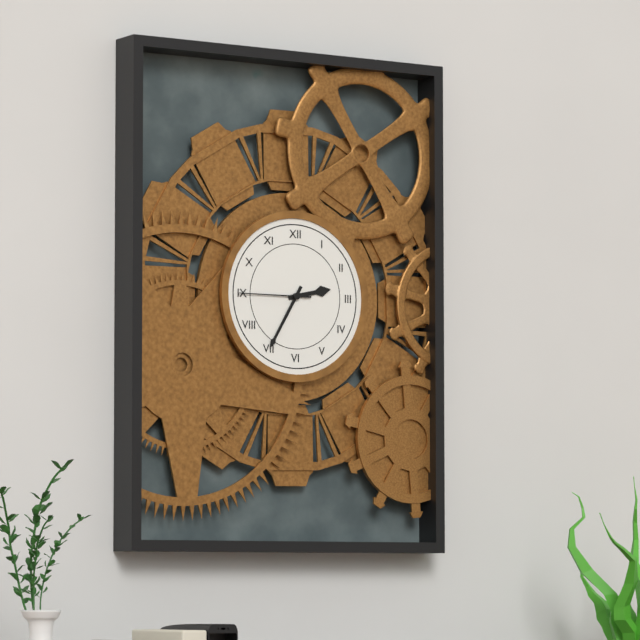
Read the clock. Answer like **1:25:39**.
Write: **2:35:45**
